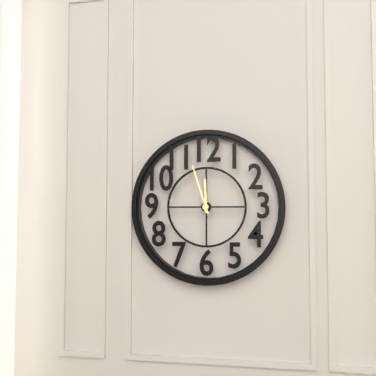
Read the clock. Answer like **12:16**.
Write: **11:57**
